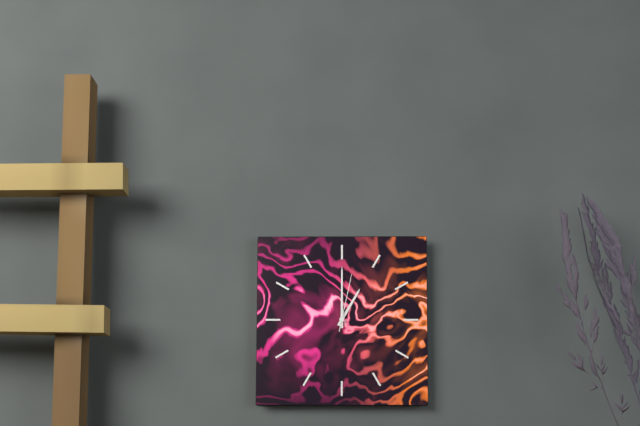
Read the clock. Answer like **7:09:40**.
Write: **1:00:02**
